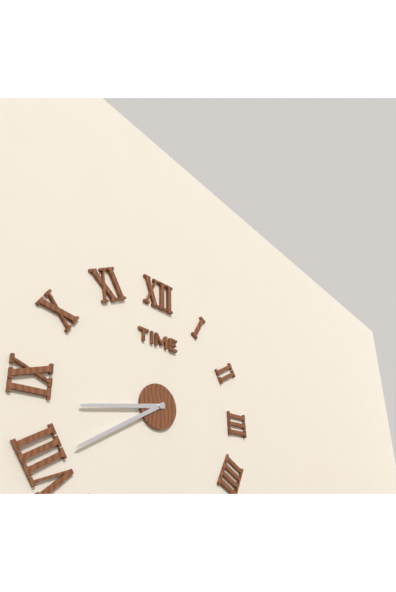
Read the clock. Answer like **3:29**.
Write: **8:40**
